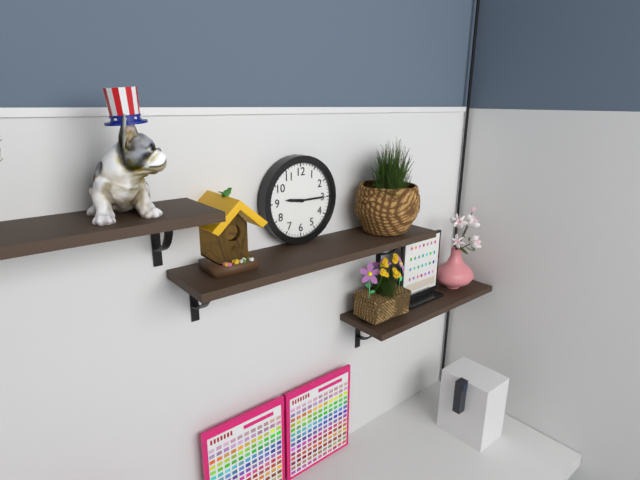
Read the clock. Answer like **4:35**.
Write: **9:15**
